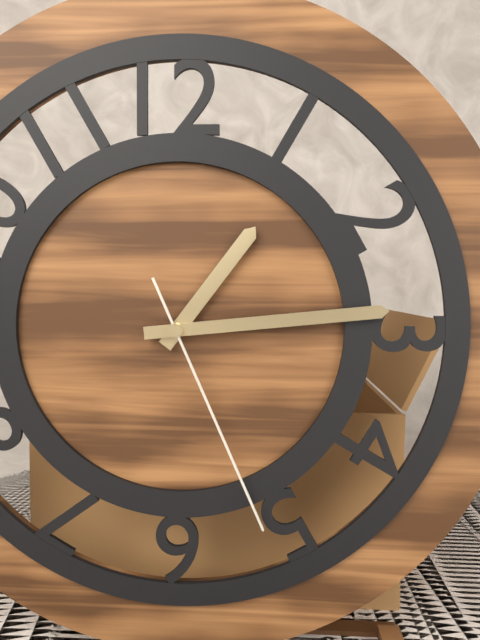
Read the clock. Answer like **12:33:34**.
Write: **1:14:26**
